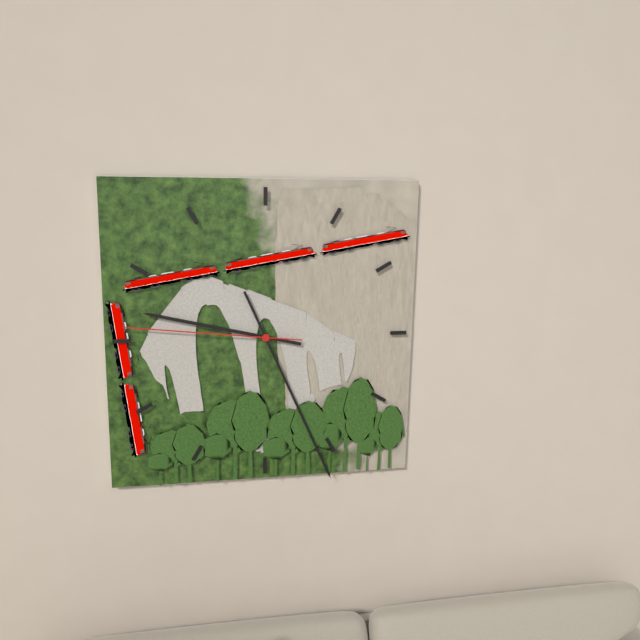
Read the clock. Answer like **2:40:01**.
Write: **9:26:46**
